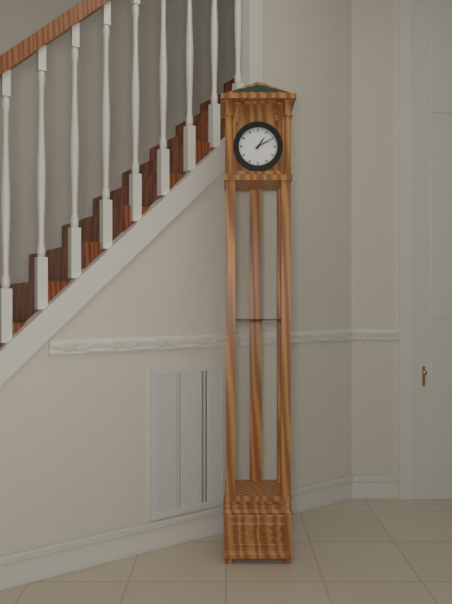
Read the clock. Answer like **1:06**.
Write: **1:10**
